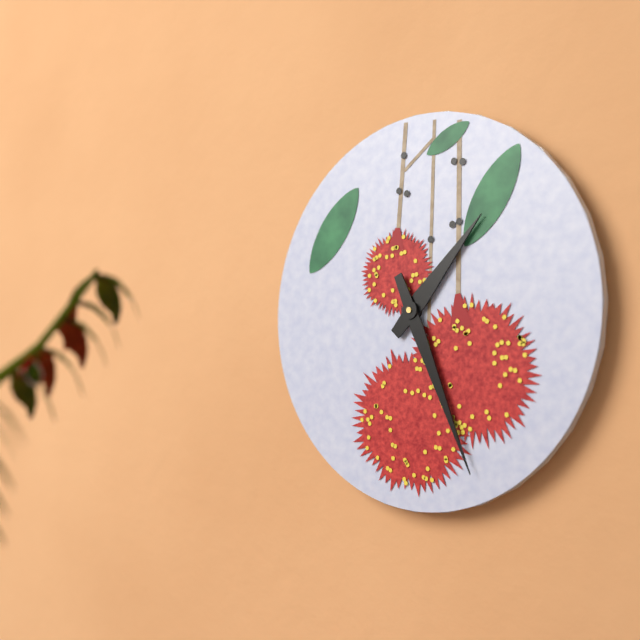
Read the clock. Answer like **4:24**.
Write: **1:26**
